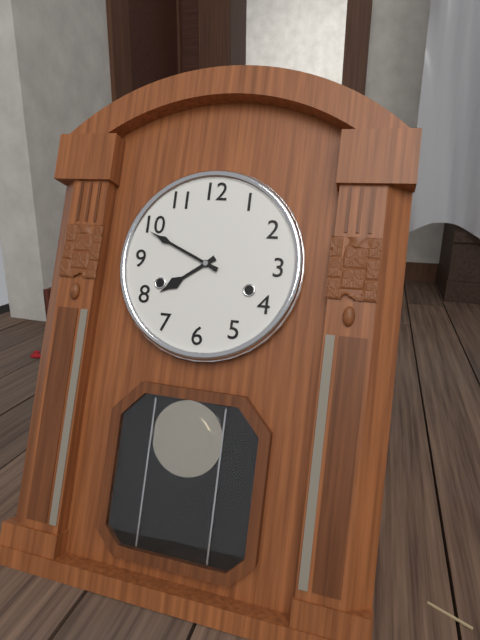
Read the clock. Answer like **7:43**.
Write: **7:49**
